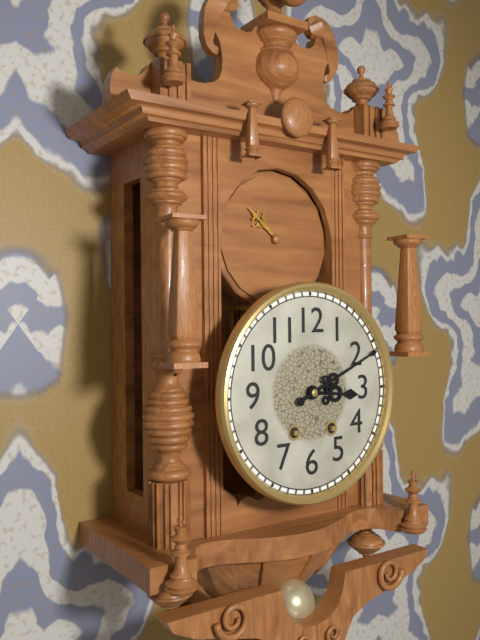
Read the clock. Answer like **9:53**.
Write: **3:11**
